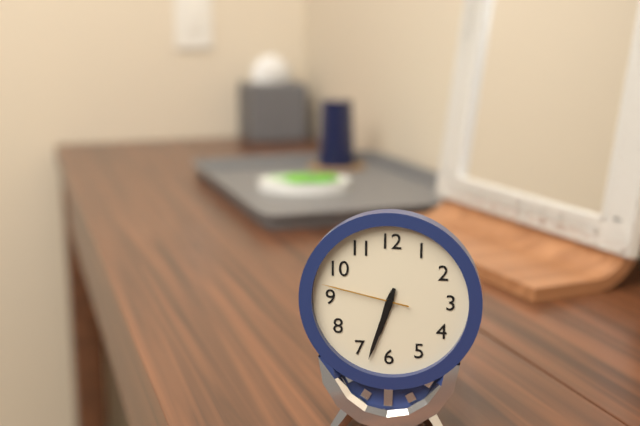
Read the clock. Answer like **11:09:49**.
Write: **6:33:47**
